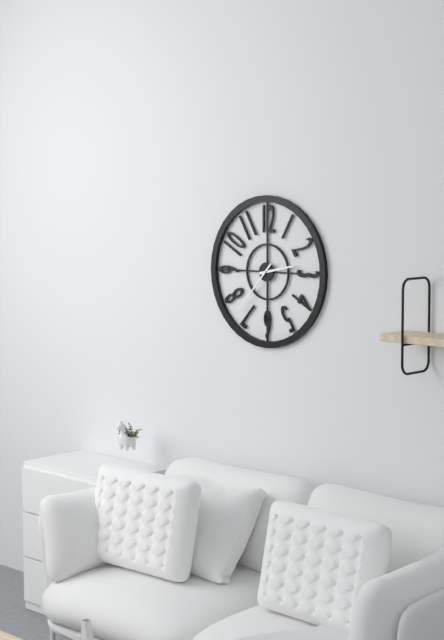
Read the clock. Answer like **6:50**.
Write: **2:37**
